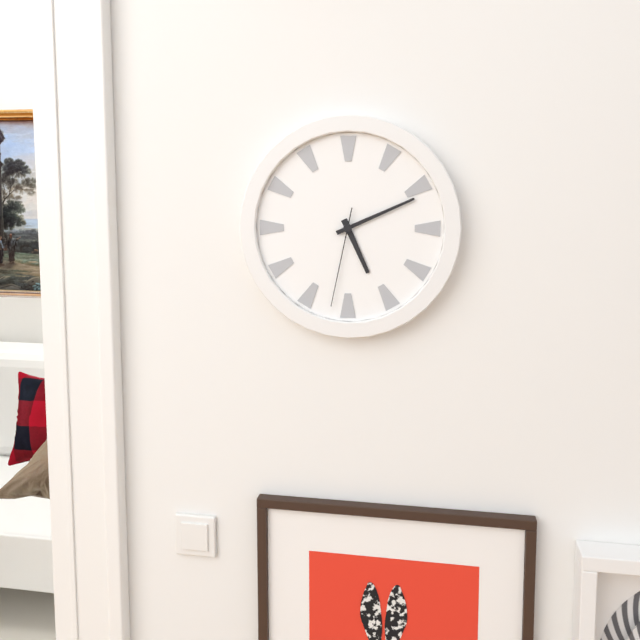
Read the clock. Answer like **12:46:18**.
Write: **5:11:32**
